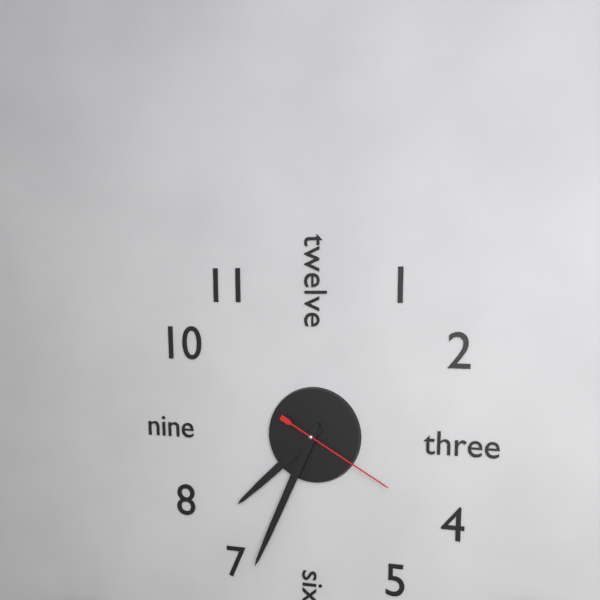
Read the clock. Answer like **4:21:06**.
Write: **7:34:20**
